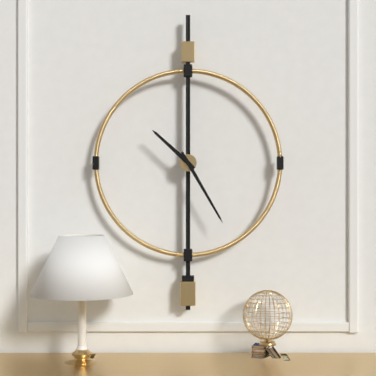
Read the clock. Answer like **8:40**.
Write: **10:25**
